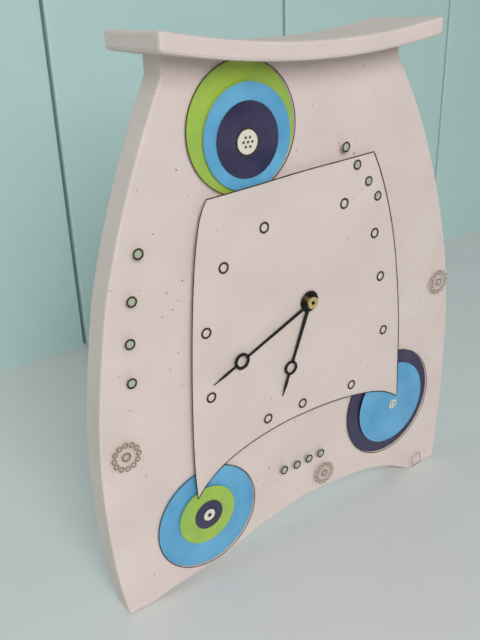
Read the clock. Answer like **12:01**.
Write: **6:41**
